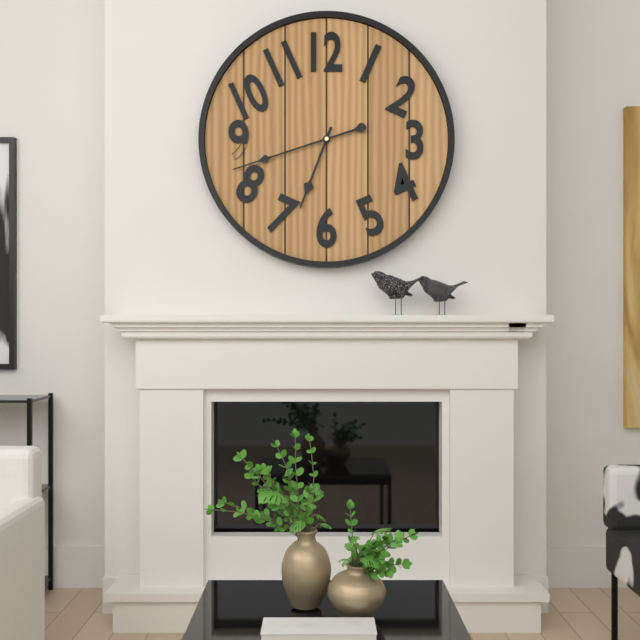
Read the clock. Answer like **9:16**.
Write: **6:42**
